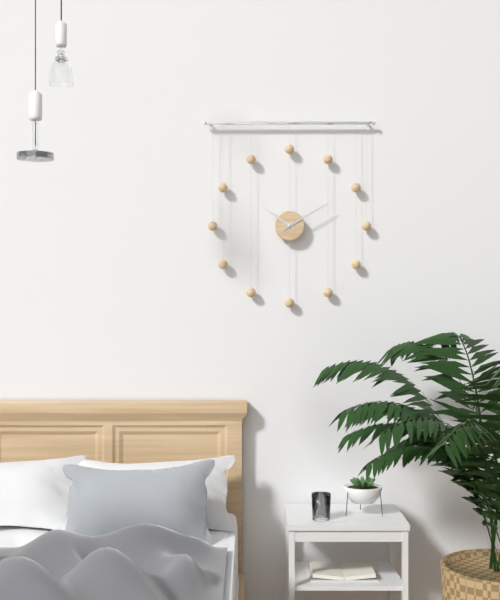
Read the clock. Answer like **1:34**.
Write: **10:10**
